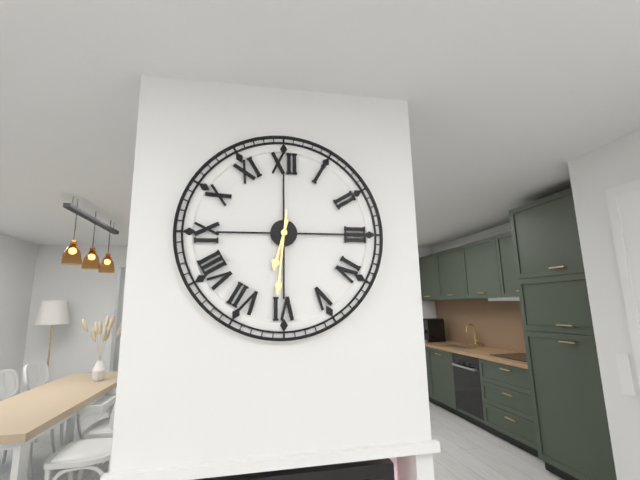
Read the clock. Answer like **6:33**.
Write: **6:31**
